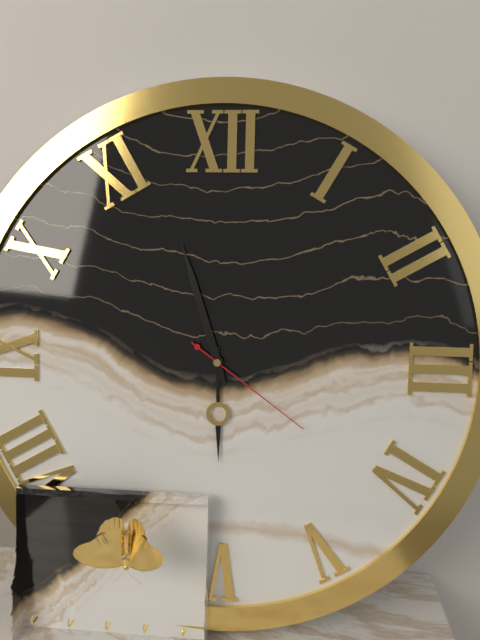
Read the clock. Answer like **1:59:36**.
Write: **5:57:21**
